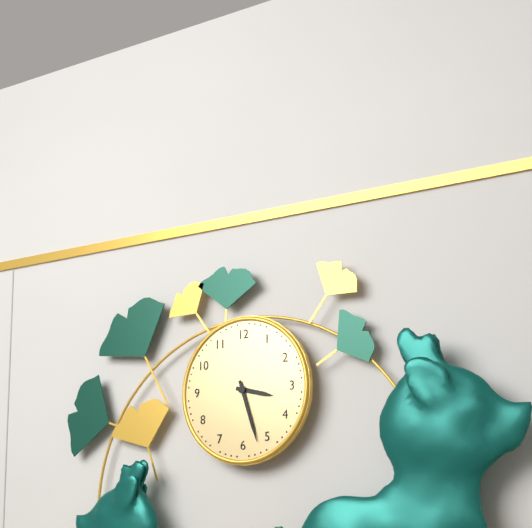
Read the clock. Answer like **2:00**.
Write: **3:27**
